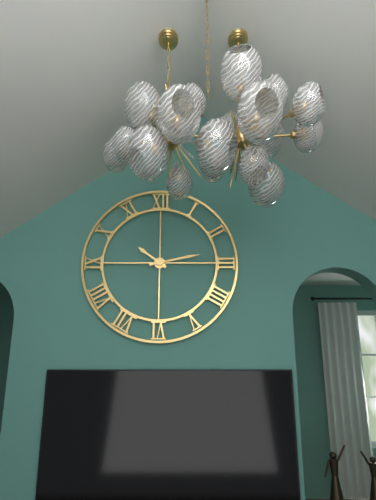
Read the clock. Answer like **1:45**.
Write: **10:13**
